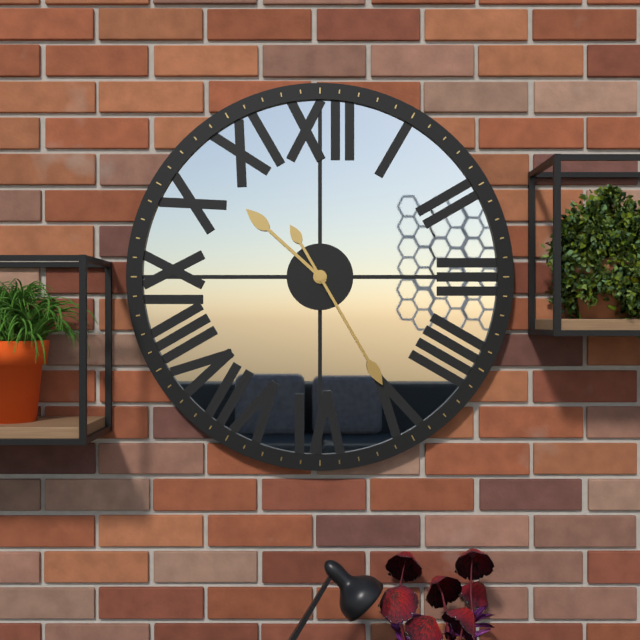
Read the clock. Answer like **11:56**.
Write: **10:25**
